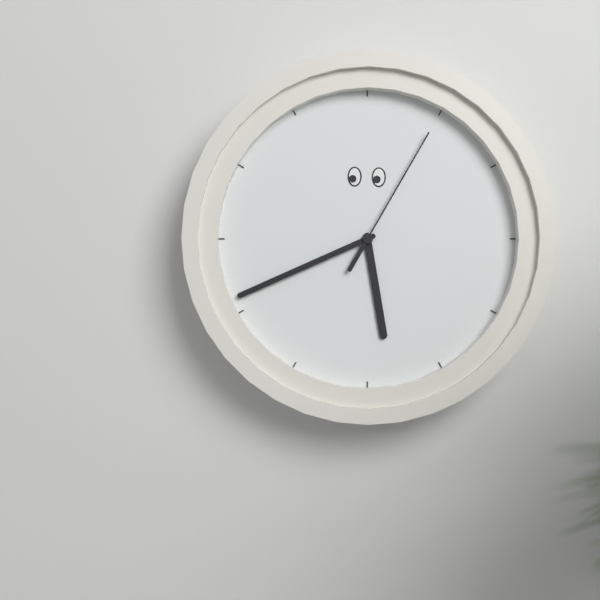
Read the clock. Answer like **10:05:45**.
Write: **5:41:05**
